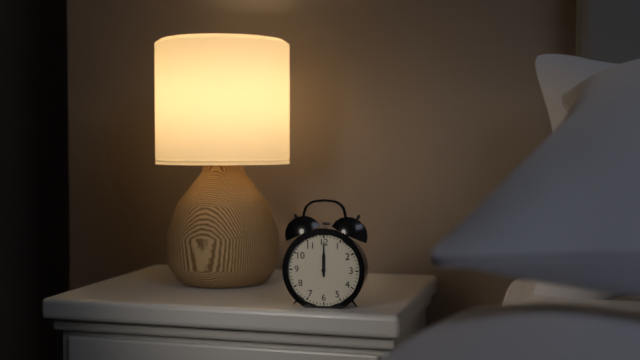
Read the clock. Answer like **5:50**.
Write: **12:00**
